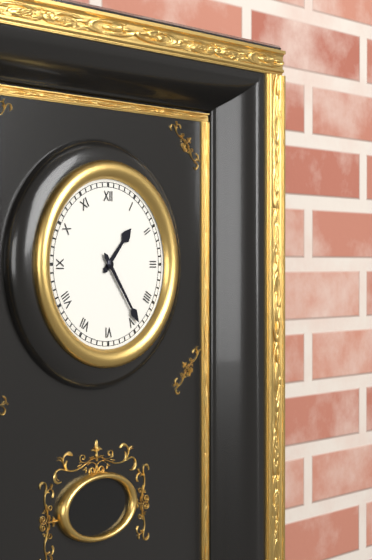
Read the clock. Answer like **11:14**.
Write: **1:24**
